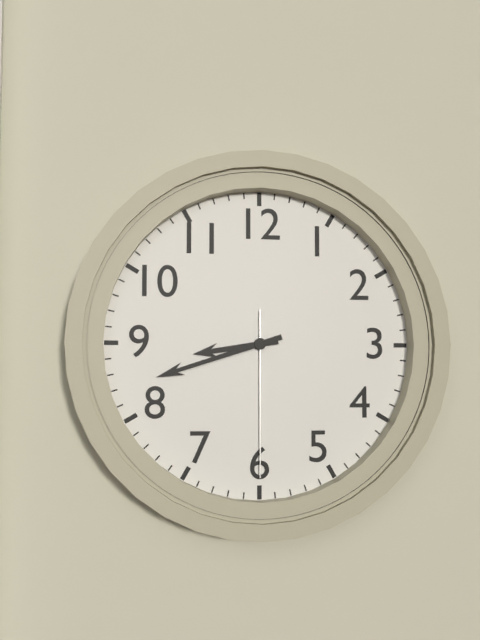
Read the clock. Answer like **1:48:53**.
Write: **8:42:30**
